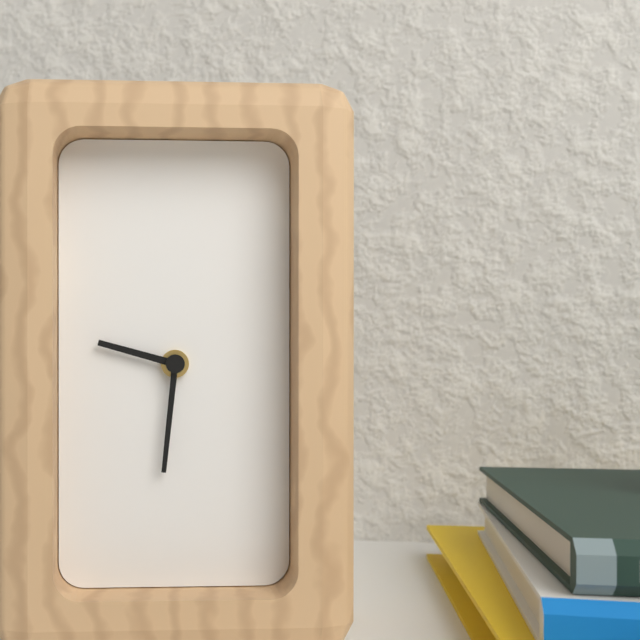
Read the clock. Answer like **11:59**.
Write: **9:31**
